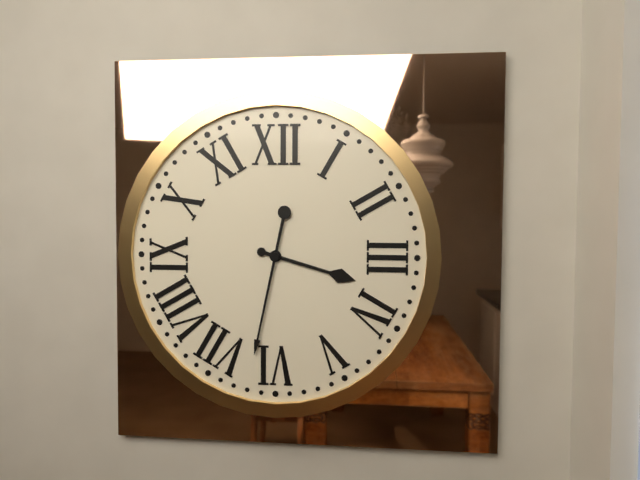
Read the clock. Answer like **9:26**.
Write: **3:32**
